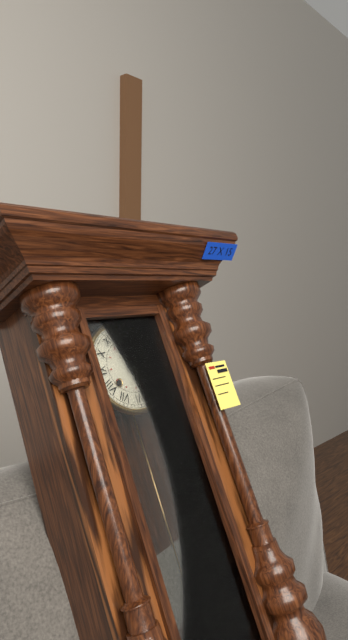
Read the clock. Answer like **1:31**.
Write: **11:57**
